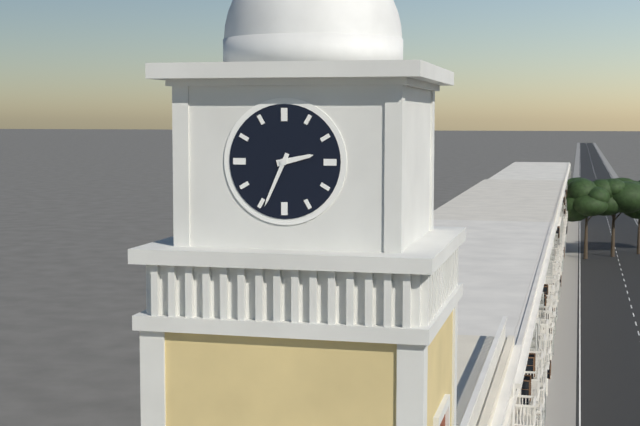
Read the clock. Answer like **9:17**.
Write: **2:34**
